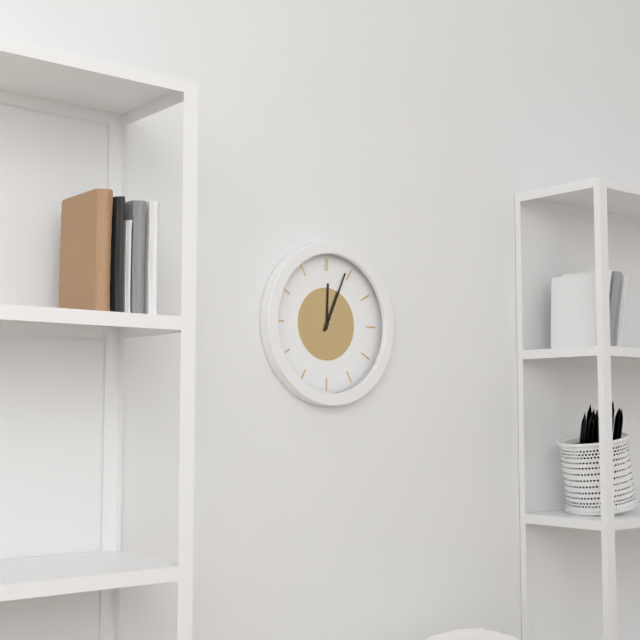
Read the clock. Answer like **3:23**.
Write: **12:04**
